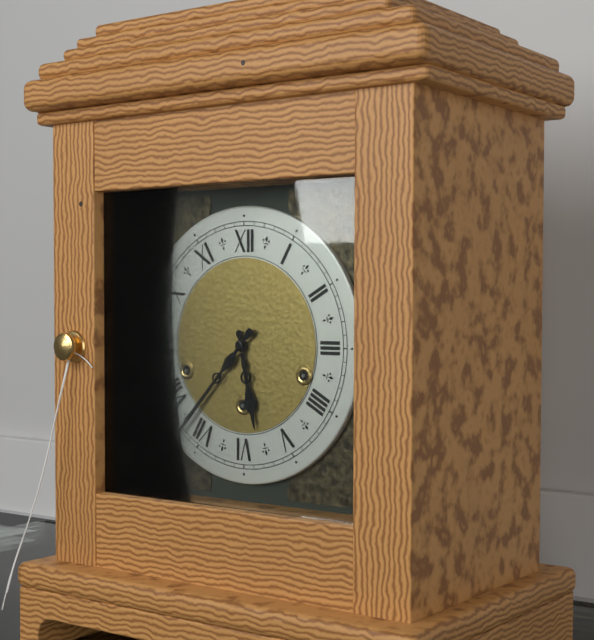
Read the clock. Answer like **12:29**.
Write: **5:37**
